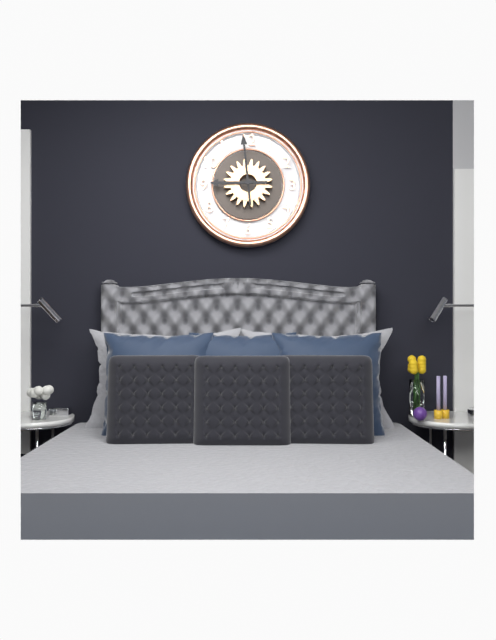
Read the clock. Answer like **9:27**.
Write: **8:59**
